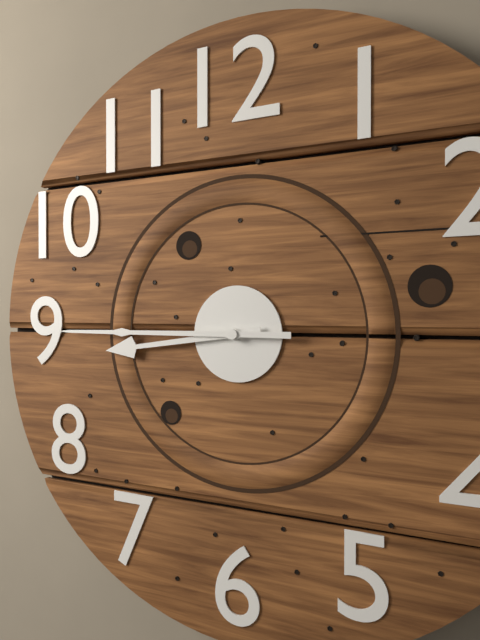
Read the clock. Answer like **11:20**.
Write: **8:45**
